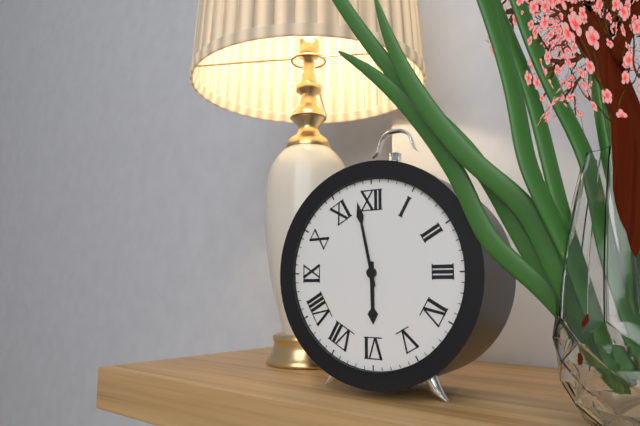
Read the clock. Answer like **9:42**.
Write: **5:58**
